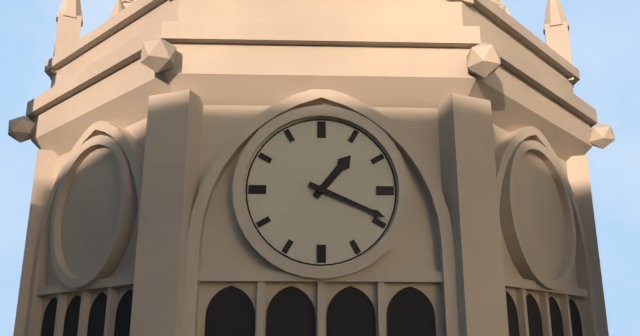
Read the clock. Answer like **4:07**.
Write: **1:19**
